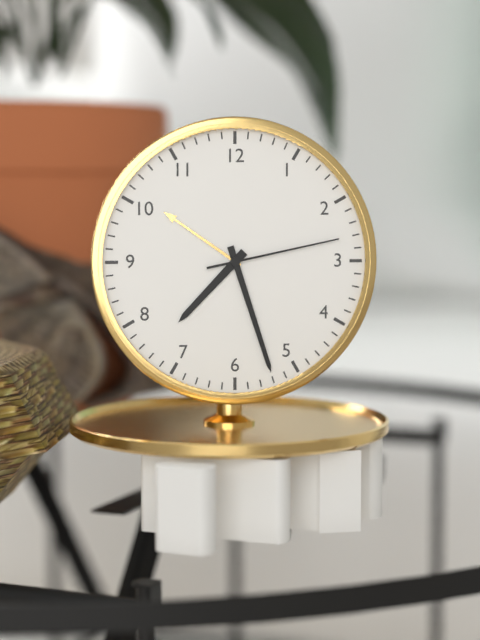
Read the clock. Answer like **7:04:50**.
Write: **7:27:13**
